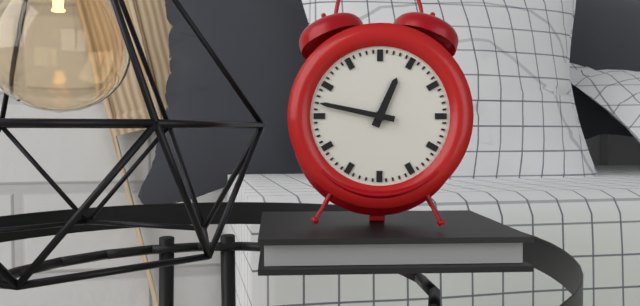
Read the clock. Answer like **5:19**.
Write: **12:47**
